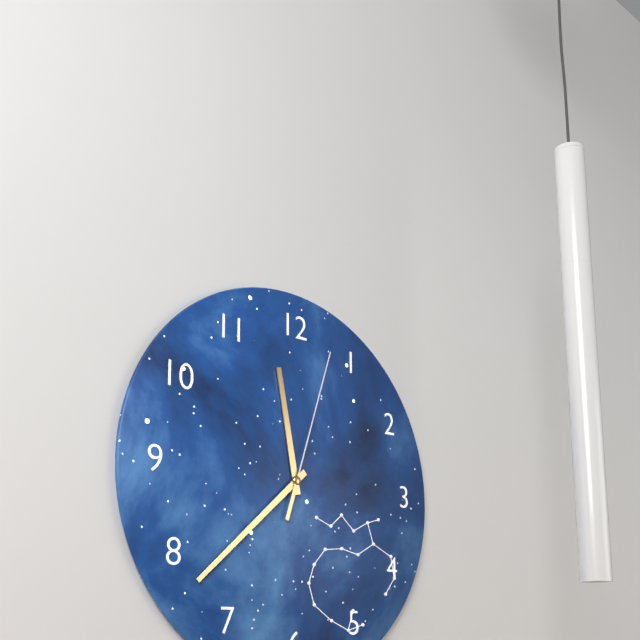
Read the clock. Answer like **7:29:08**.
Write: **11:38:03**
